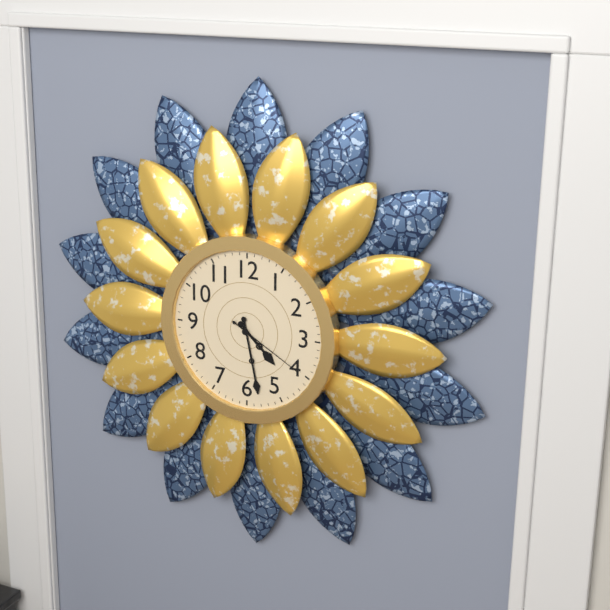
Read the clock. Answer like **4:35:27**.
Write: **4:28:20**
